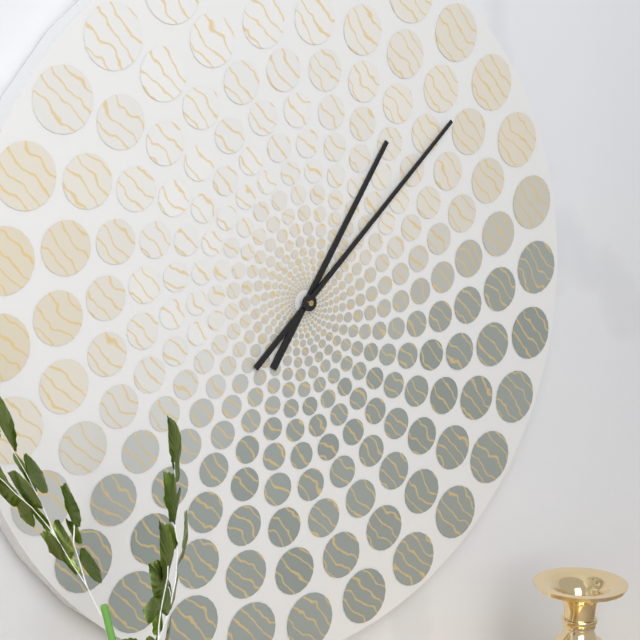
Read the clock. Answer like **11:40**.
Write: **1:08**
